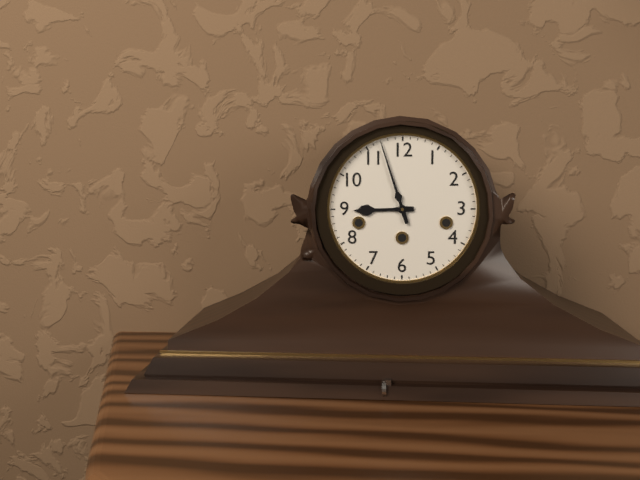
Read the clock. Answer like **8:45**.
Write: **8:57**
